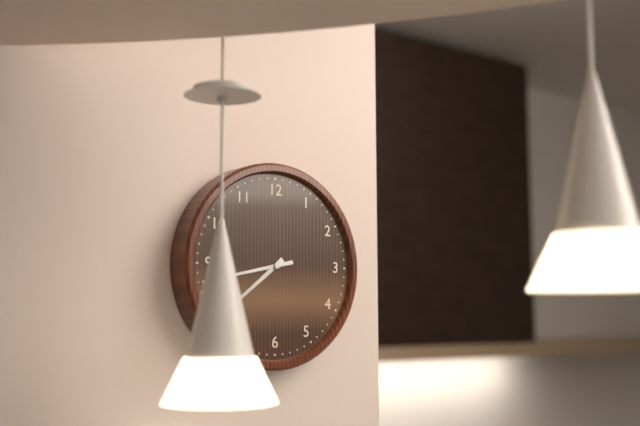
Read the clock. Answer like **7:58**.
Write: **7:43**
